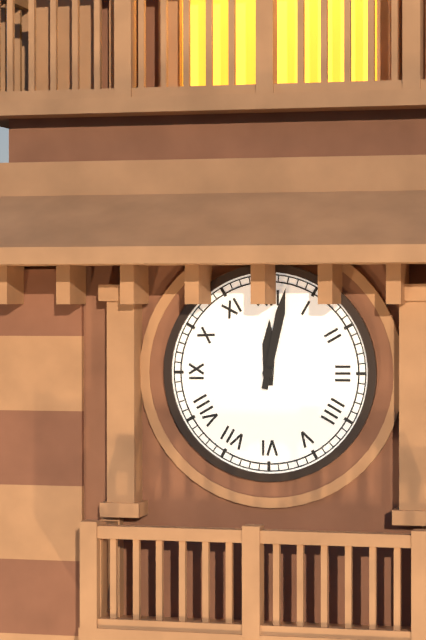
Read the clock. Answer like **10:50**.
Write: **12:02**
